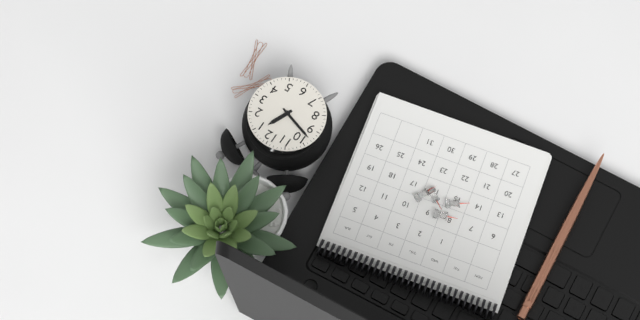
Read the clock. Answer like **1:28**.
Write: **12:48**
